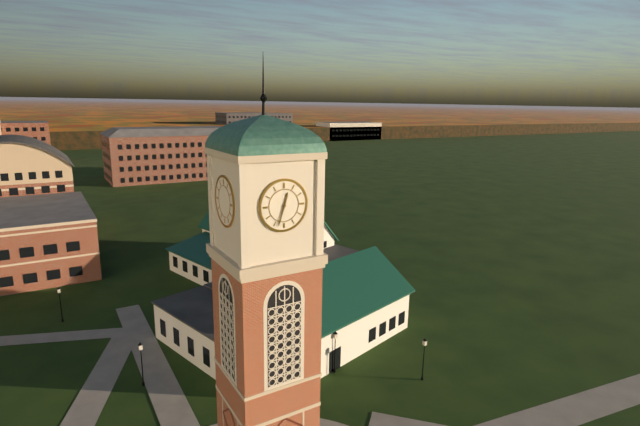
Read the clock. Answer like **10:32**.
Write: **12:33**
